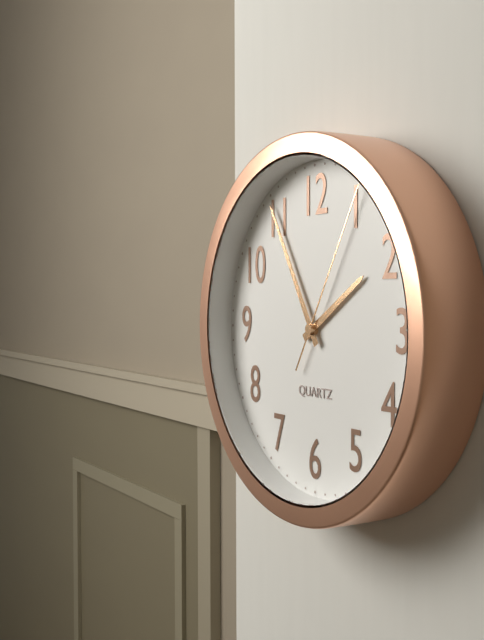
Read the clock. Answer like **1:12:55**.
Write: **1:55:05**
